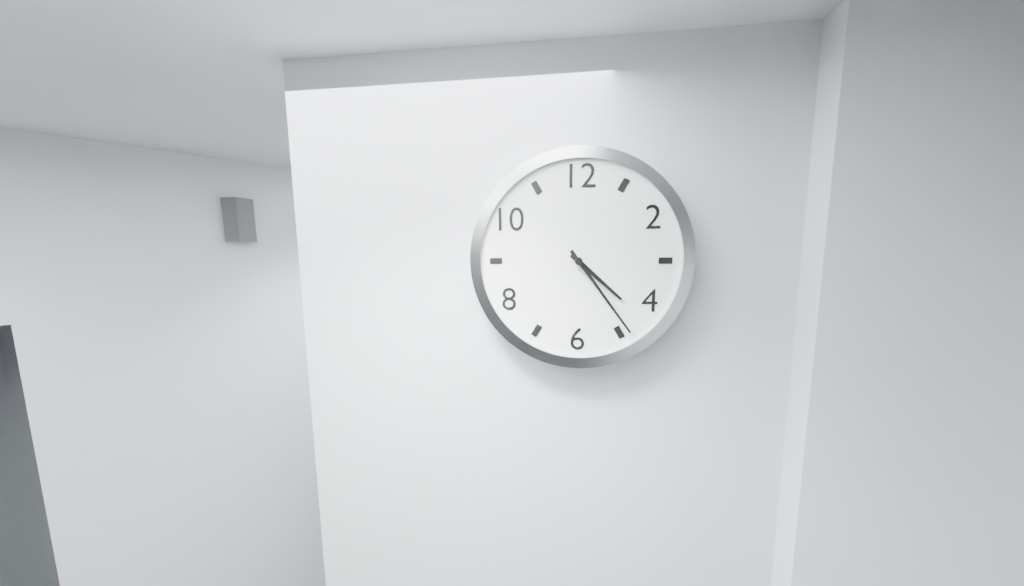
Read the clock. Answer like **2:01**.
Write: **4:24**
